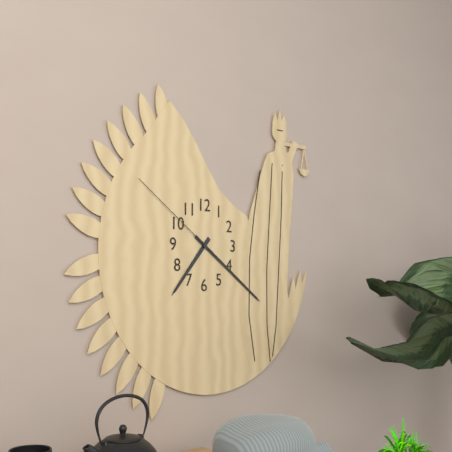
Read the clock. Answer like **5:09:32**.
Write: **7:21:51**
